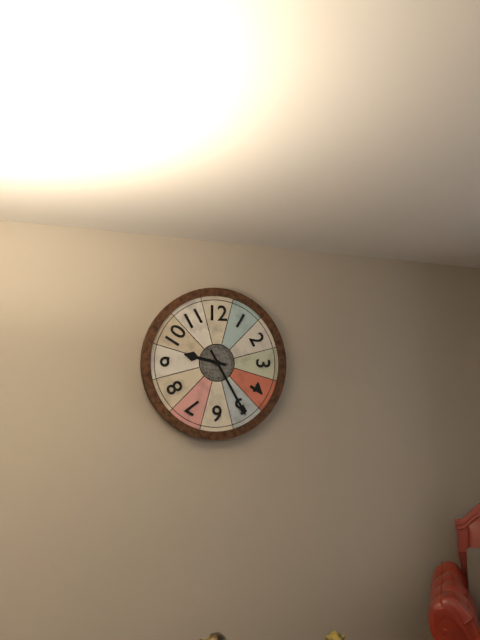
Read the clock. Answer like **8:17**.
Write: **9:25**
